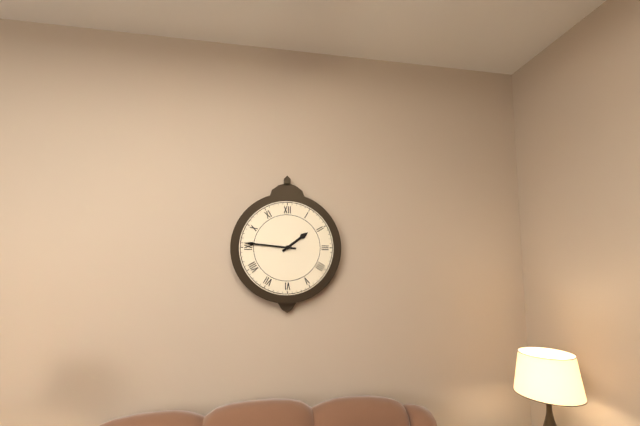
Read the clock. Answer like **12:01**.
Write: **1:46**
